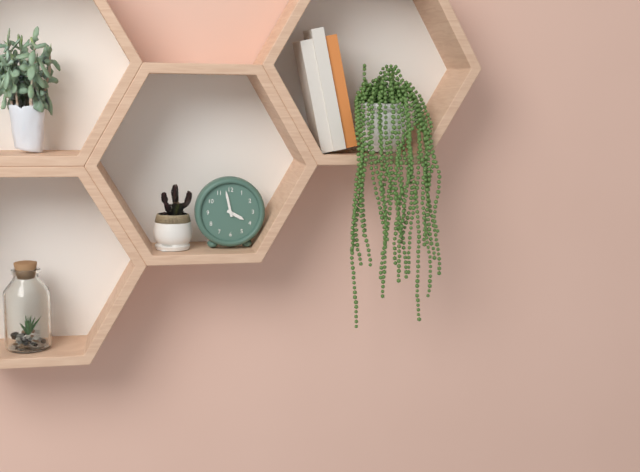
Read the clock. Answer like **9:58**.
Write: **3:58**
